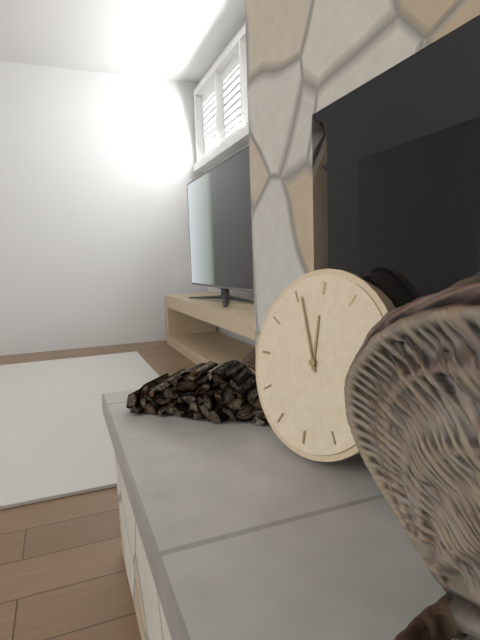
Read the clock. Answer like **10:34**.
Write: **11:56**
